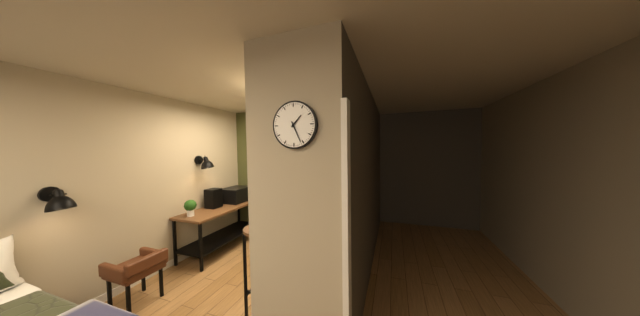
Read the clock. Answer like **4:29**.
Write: **1:26**
